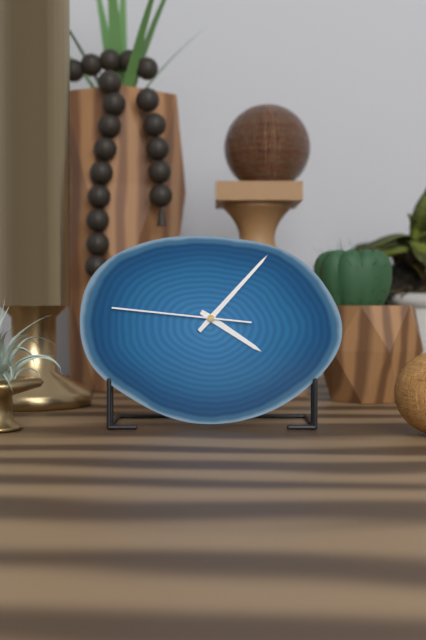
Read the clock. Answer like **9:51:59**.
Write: **4:07:46**
